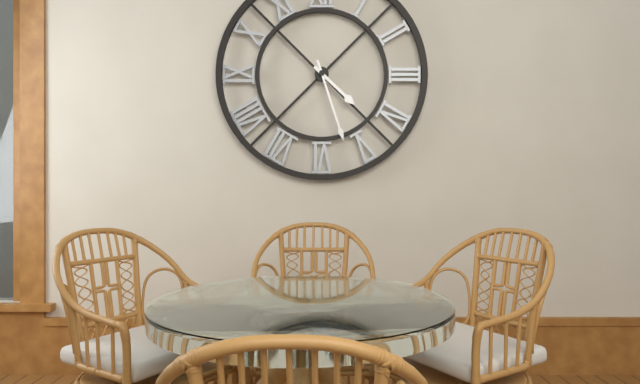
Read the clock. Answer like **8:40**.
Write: **4:27**
